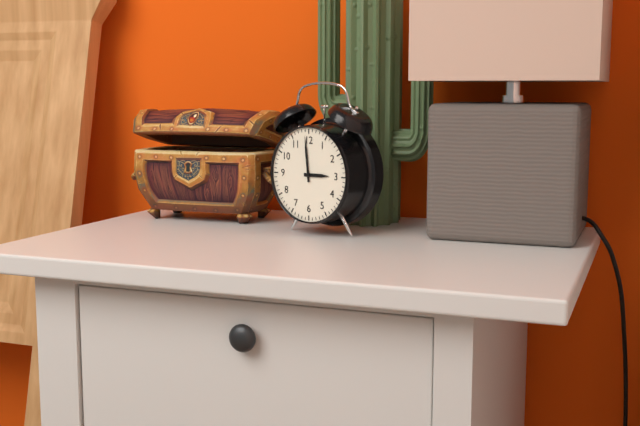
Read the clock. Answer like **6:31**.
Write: **2:59**
